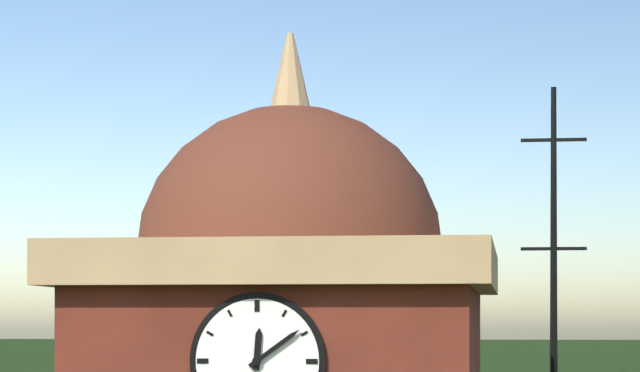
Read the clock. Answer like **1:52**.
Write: **12:09**
